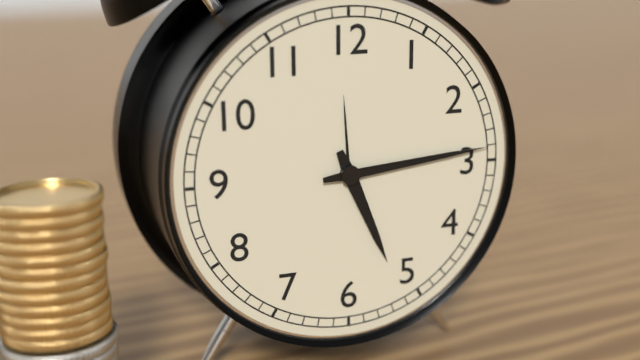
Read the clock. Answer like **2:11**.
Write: **5:14**
